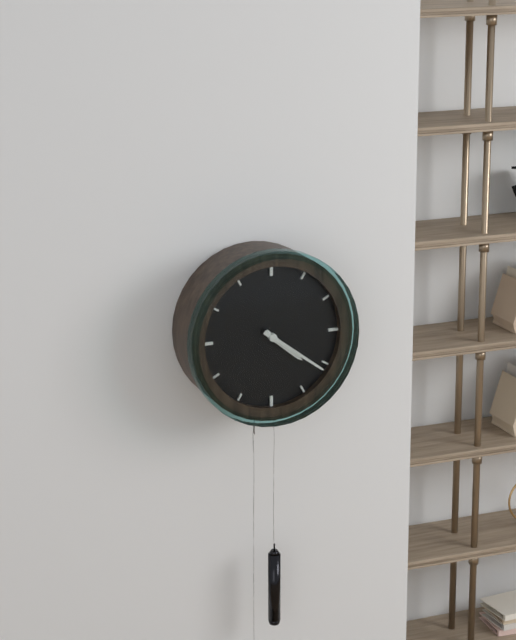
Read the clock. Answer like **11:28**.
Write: **4:21**
